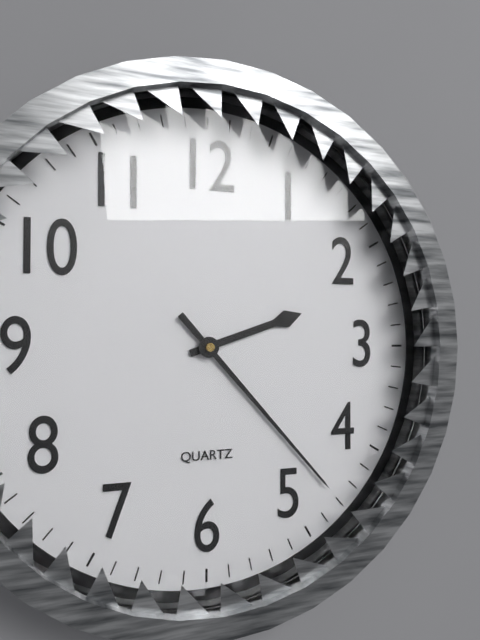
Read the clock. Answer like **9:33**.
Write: **2:23**
